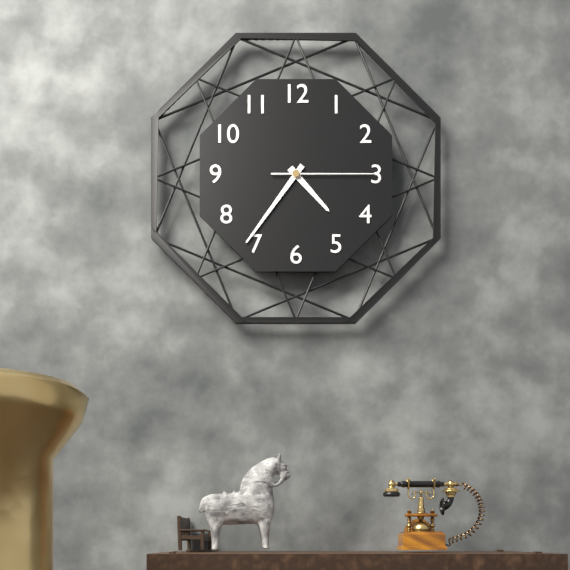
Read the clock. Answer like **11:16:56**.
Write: **4:36:15**
